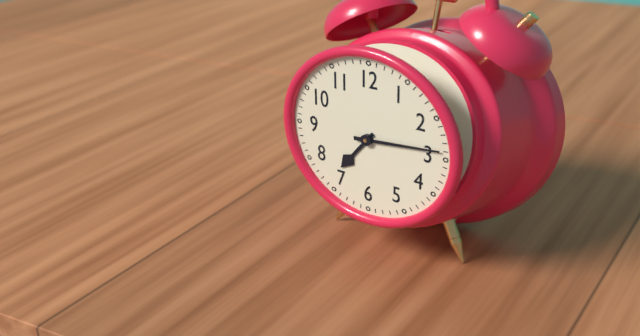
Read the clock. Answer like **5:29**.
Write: **7:14**
